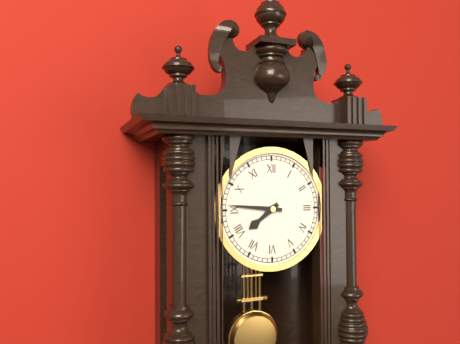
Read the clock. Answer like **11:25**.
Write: **7:46**
